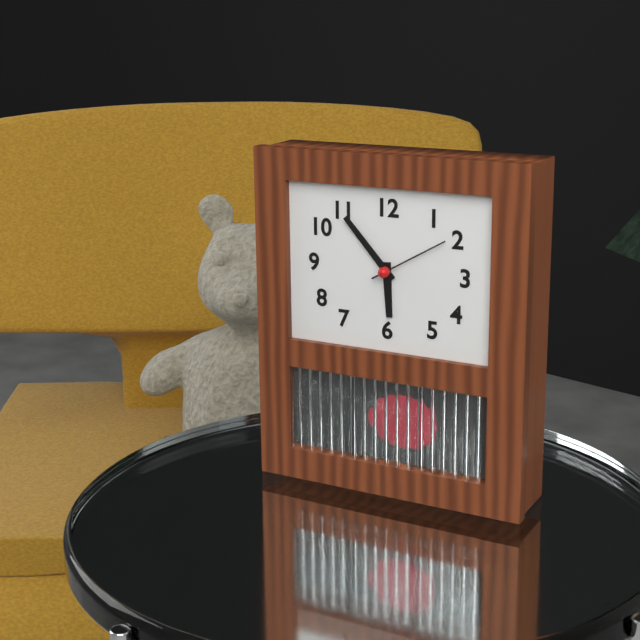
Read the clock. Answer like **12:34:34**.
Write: **5:53:10**
